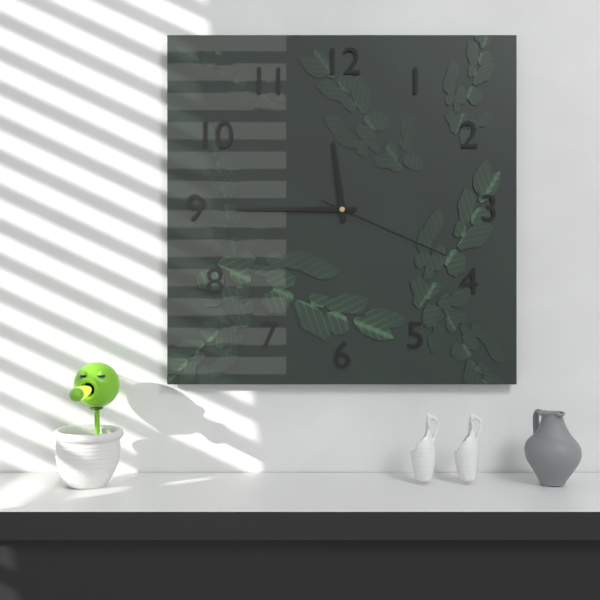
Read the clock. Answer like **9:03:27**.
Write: **11:45:19**
